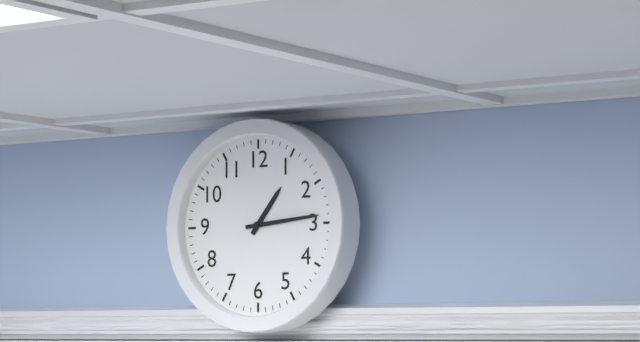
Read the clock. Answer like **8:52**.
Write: **1:14**
